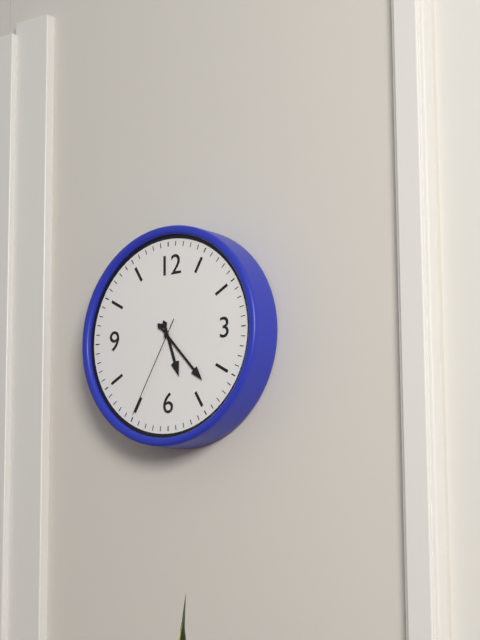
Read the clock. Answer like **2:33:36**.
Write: **5:23:35**
